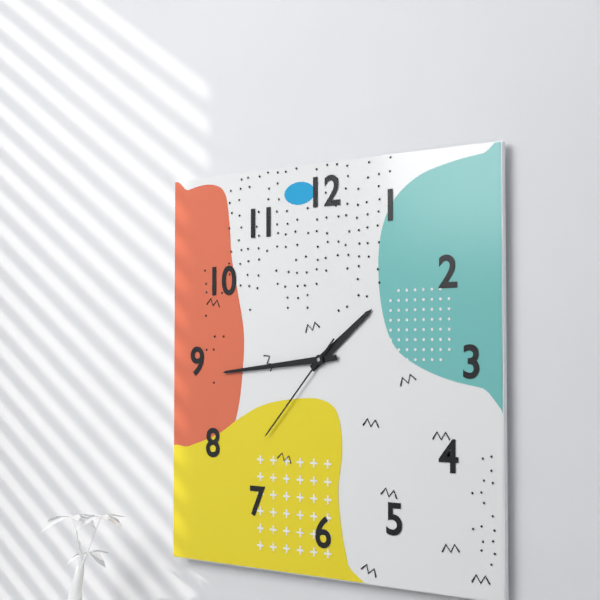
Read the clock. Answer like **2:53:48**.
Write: **1:44:37**
